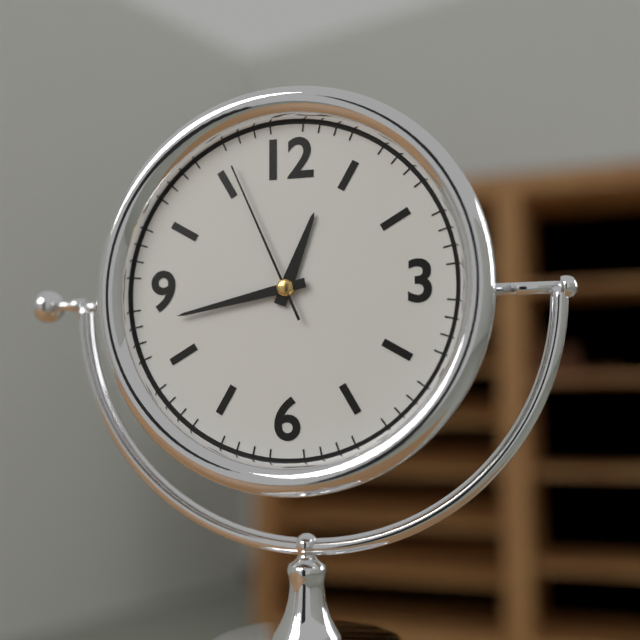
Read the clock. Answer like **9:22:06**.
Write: **12:43:56**
